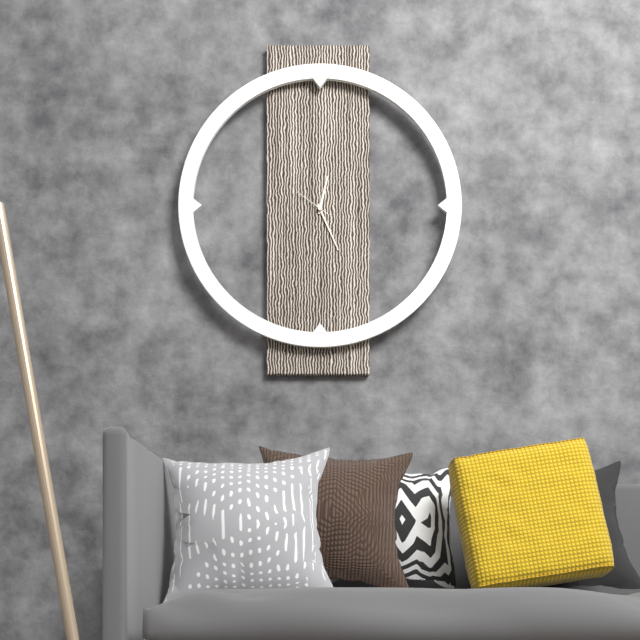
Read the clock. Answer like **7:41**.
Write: **12:26**
